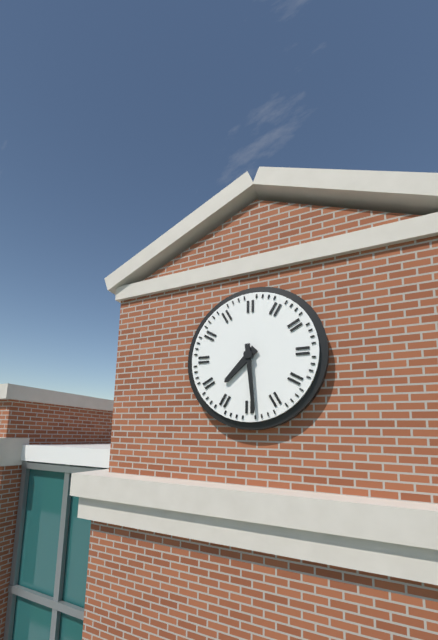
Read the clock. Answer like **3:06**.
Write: **7:29**
